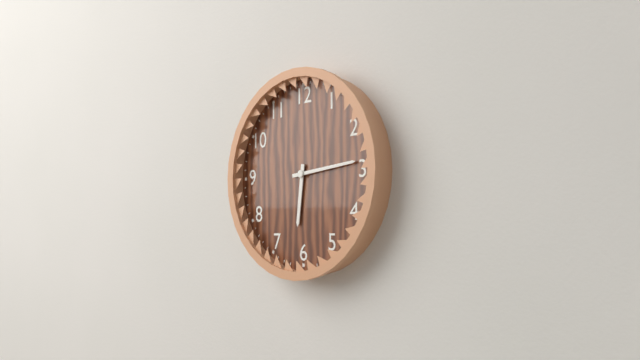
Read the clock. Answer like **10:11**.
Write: **6:14**
